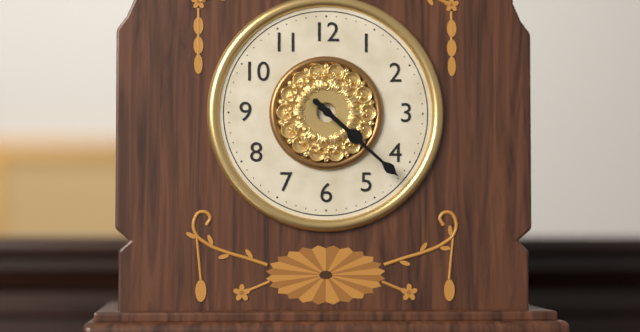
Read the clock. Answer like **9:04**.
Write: **4:22**
